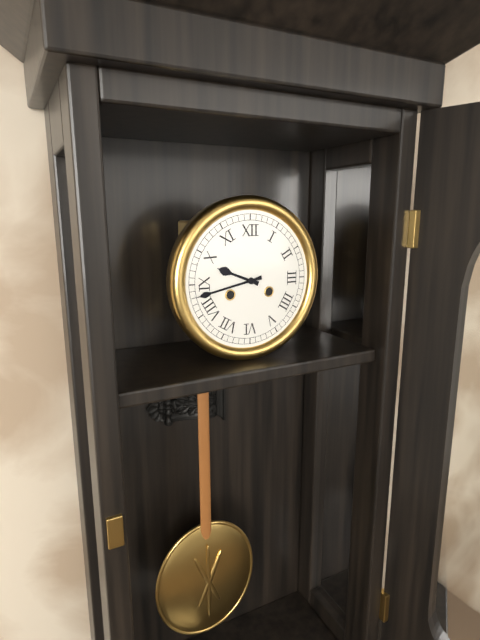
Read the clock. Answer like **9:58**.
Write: **9:43**
